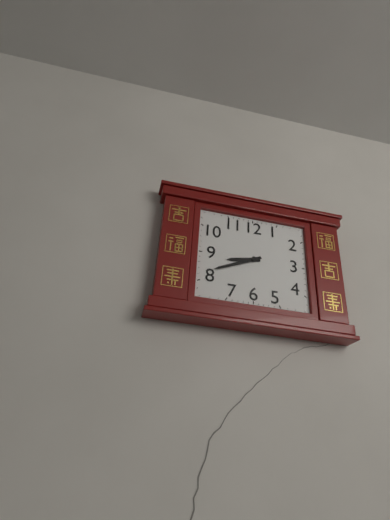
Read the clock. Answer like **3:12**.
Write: **8:41**
